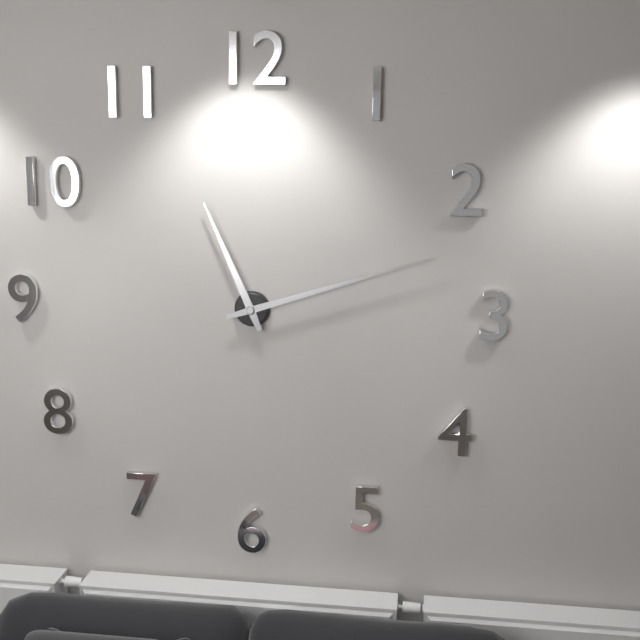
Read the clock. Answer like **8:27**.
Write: **11:12**
